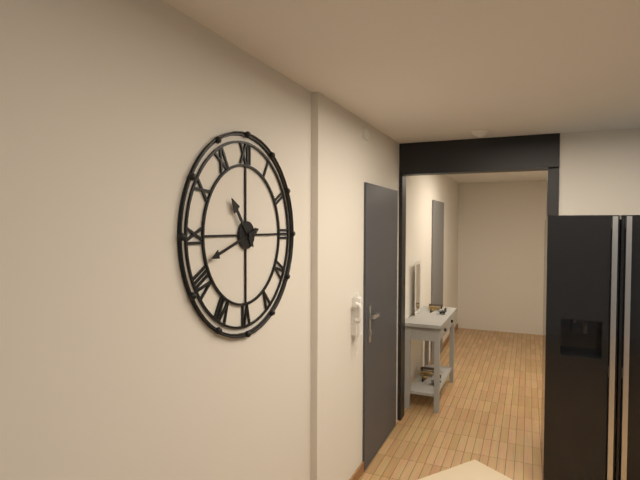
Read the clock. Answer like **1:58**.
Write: **10:42**
